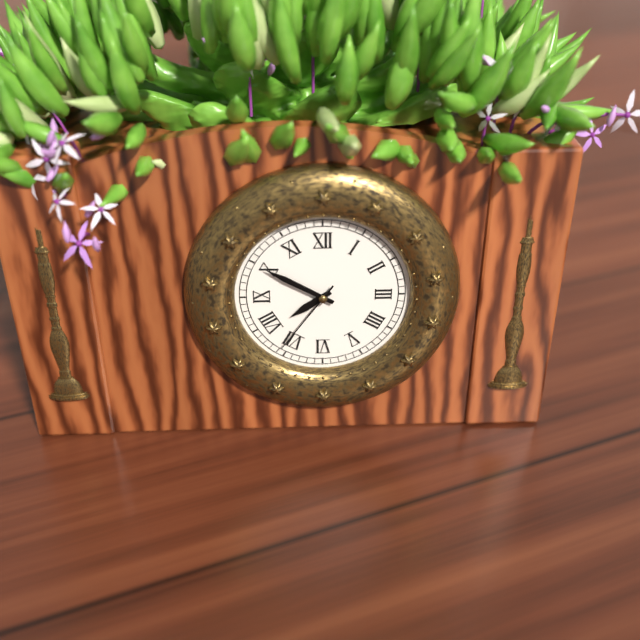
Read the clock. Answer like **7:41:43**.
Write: **7:50:36**
